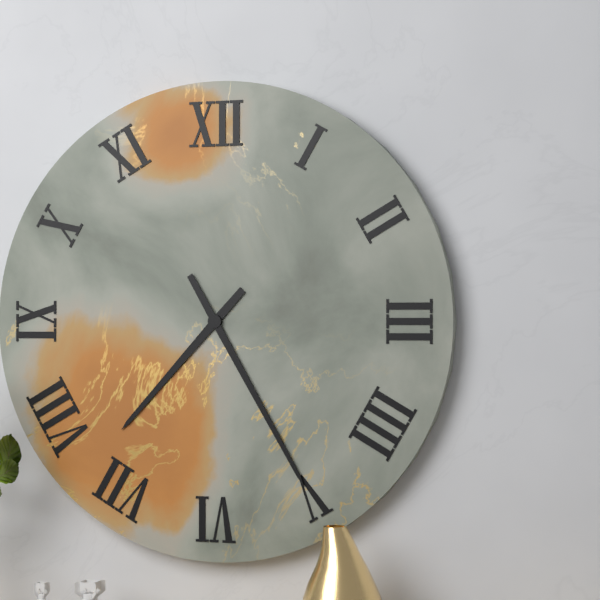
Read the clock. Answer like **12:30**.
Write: **7:25**
